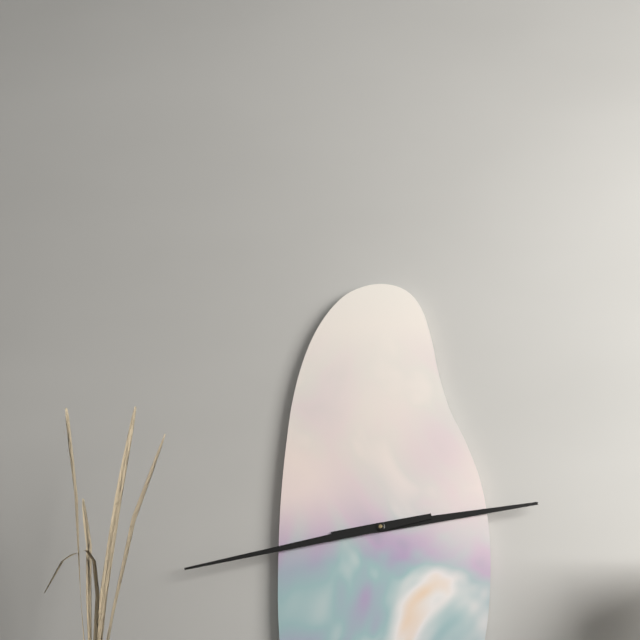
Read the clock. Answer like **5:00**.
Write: **2:43**
